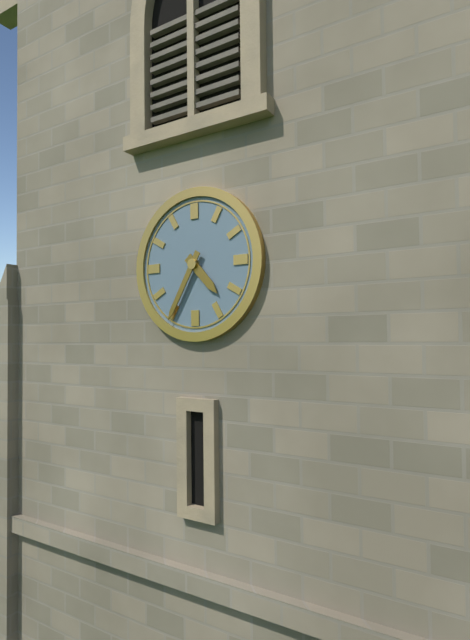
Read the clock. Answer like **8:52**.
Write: **4:35**
